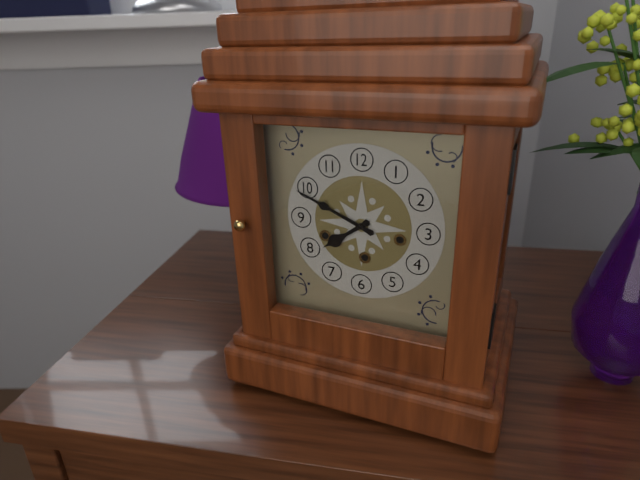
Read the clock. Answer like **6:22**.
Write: **7:49**
